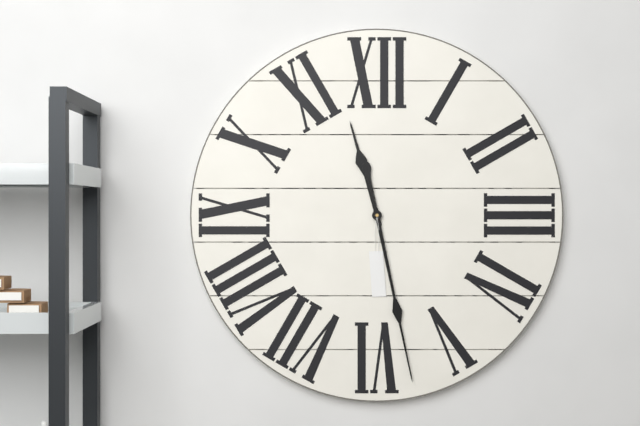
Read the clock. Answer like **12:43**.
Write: **11:28**
